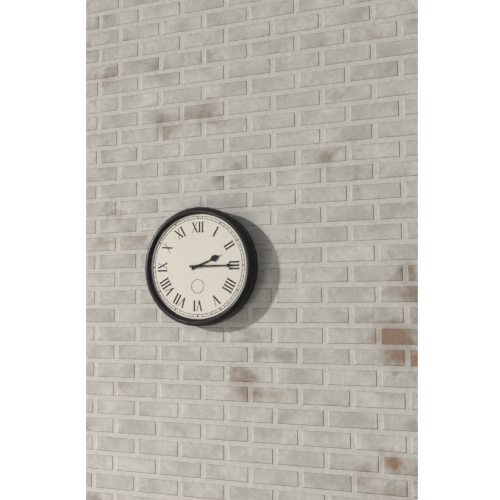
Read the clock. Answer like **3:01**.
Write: **2:15**
